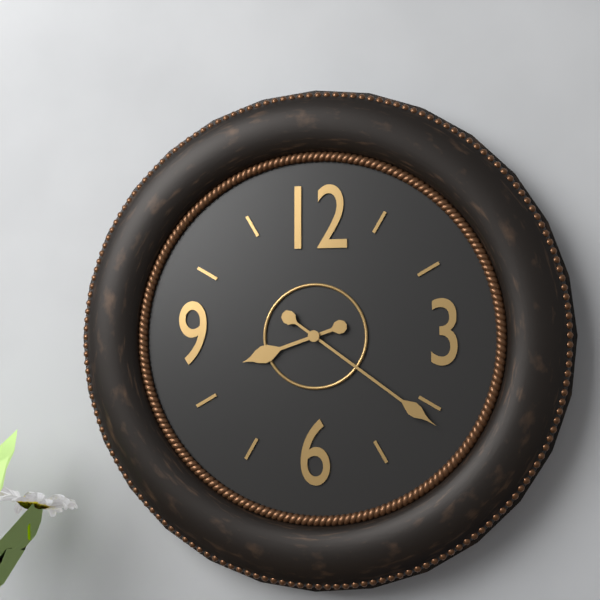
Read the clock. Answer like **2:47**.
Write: **8:21**
